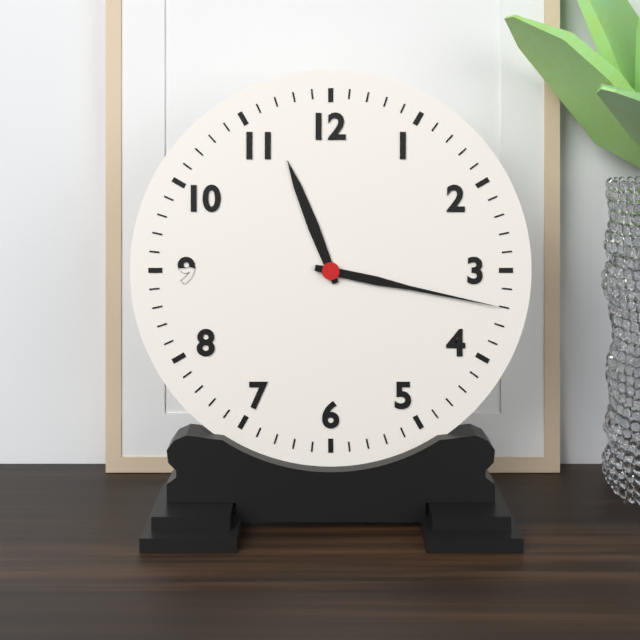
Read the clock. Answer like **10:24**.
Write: **11:17**
